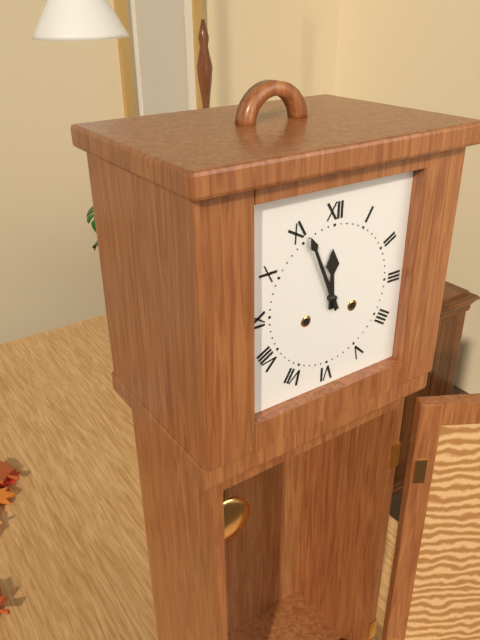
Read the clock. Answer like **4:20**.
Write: **11:56**
